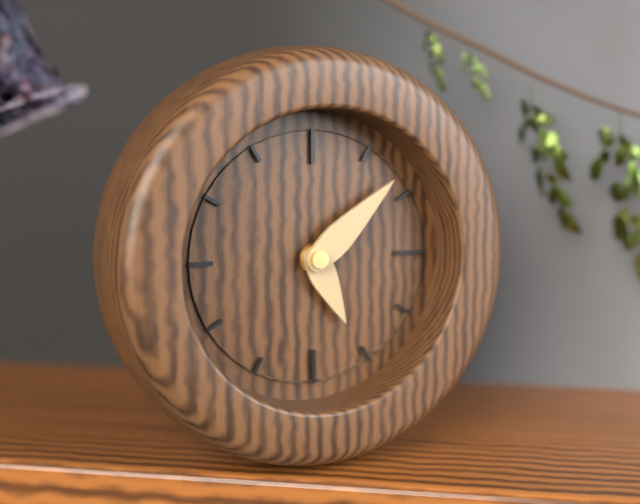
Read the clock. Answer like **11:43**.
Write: **5:08**
